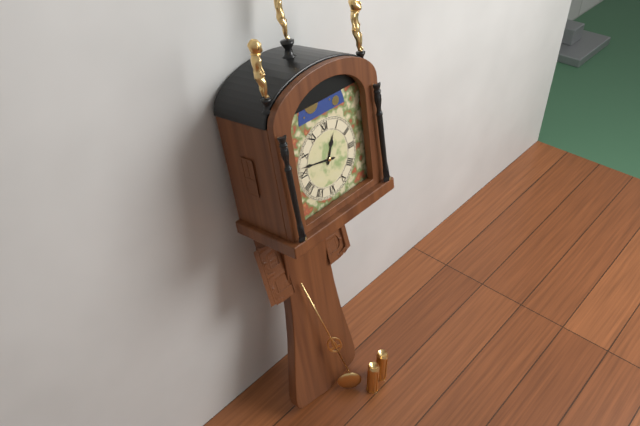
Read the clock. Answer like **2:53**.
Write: **12:47**
